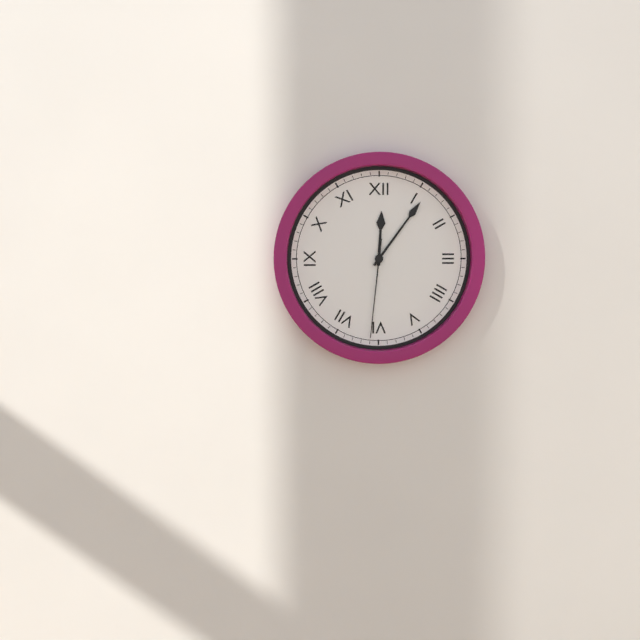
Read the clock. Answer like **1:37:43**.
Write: **12:06:31**
